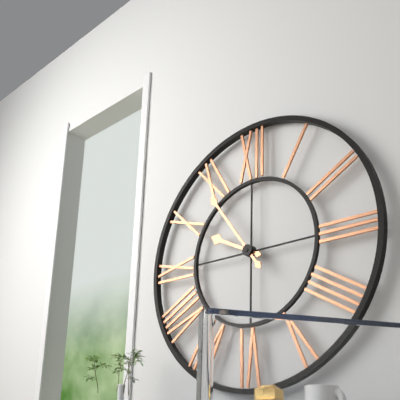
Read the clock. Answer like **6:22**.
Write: **9:54**
